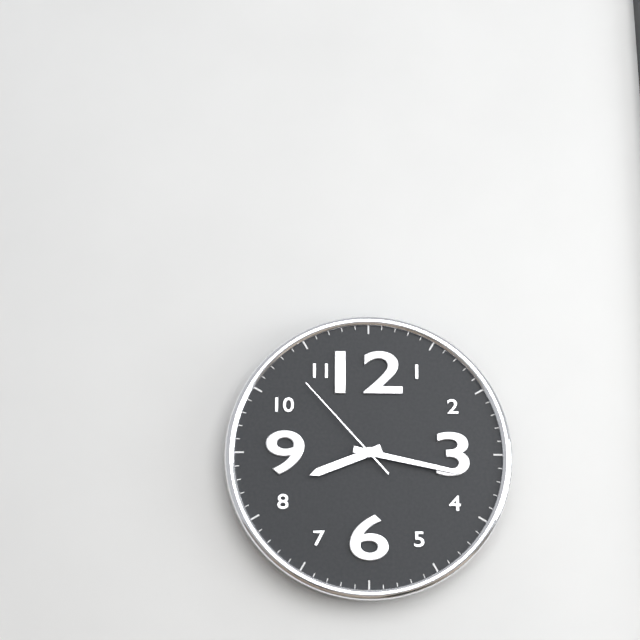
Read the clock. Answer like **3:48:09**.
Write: **8:17:53**
